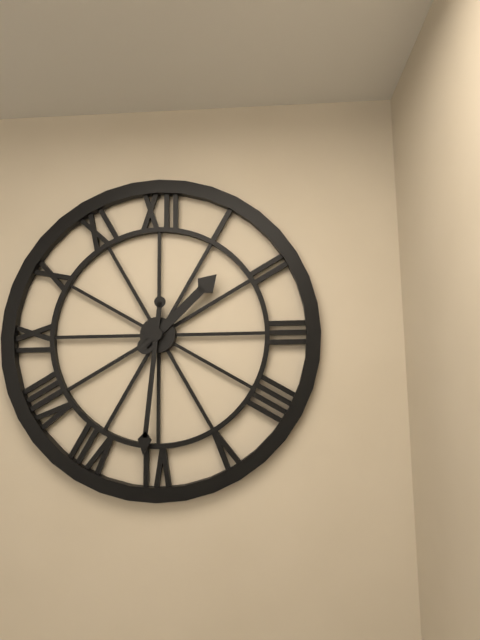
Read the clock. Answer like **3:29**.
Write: **1:31**
